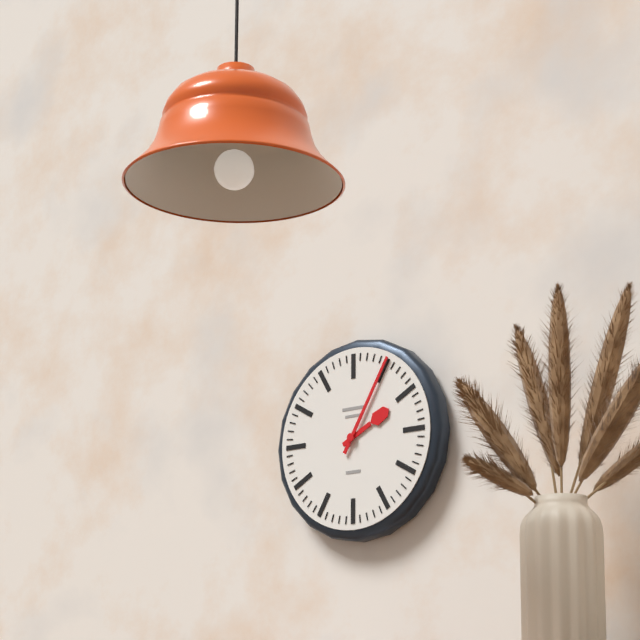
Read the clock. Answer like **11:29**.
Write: **2:05**
